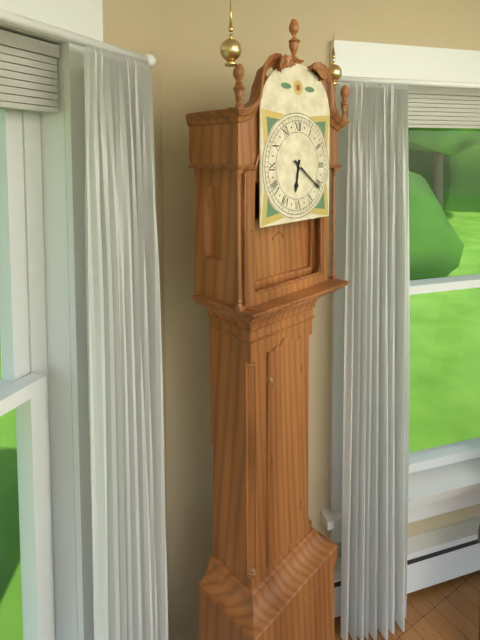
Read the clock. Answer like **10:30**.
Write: **6:21**
